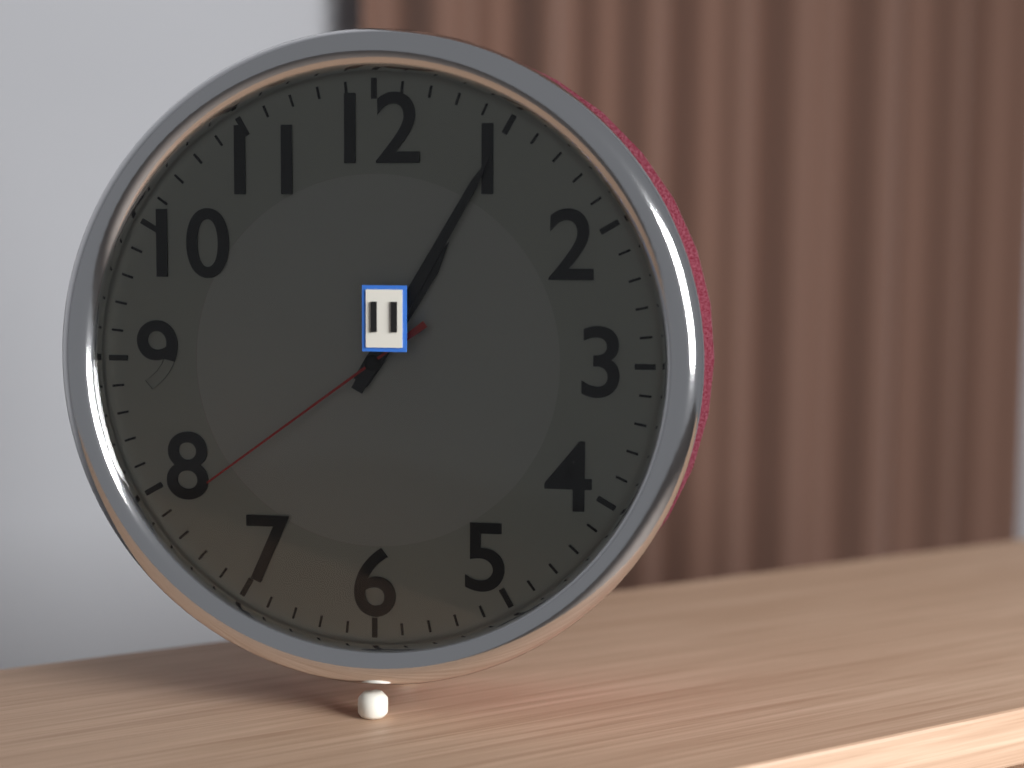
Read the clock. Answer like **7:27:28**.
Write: **1:05:39**
